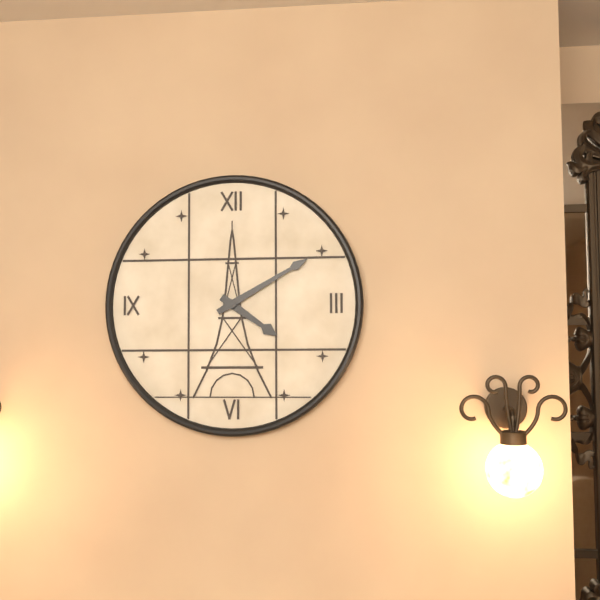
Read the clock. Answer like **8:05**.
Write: **4:10**
